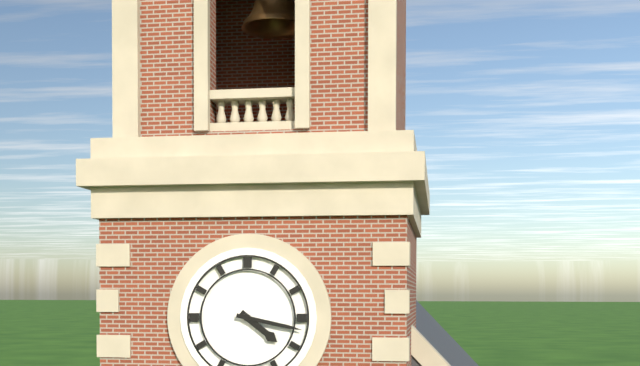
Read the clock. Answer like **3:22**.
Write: **4:17**
